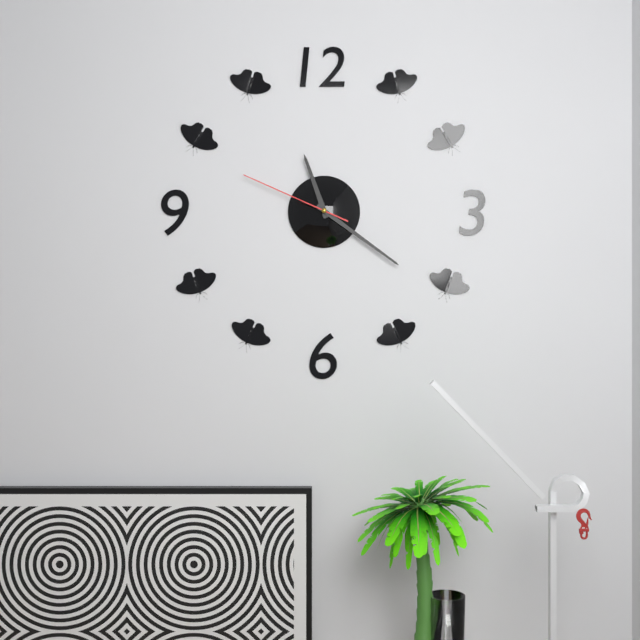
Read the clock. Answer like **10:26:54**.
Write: **11:21:49**
